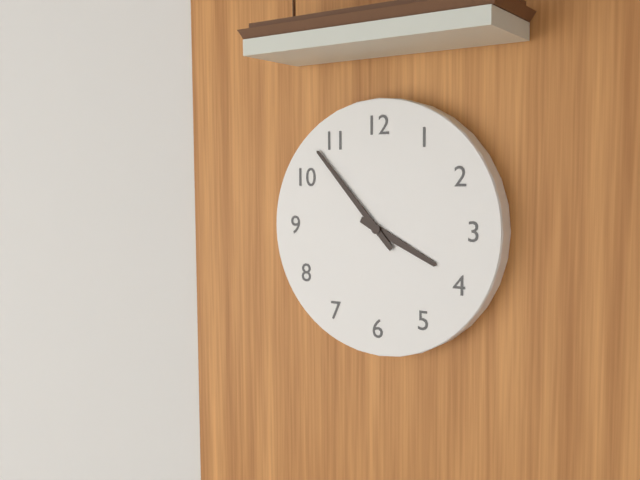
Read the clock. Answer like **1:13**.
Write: **3:53**
